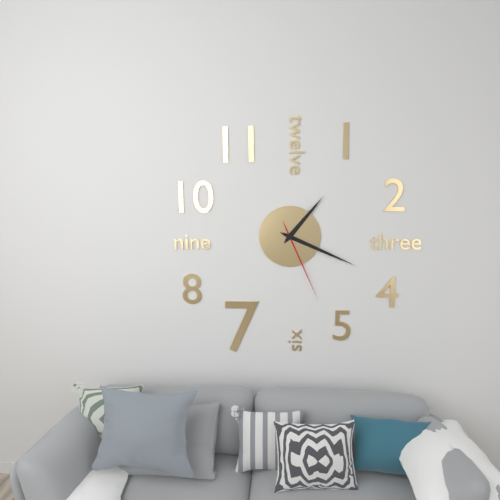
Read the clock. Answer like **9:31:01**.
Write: **1:19:26**
